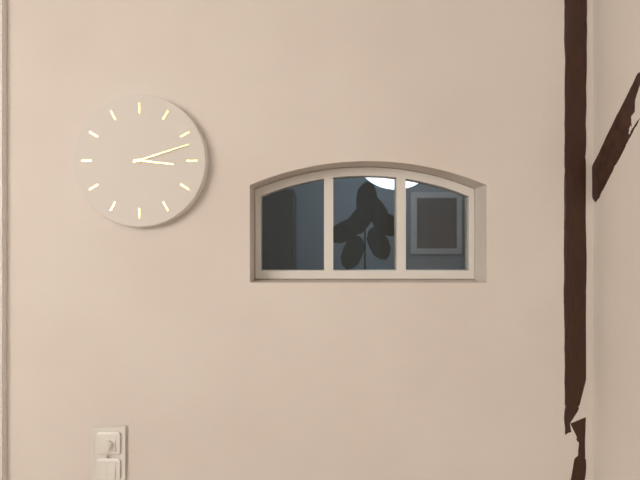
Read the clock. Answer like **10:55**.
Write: **3:12**
